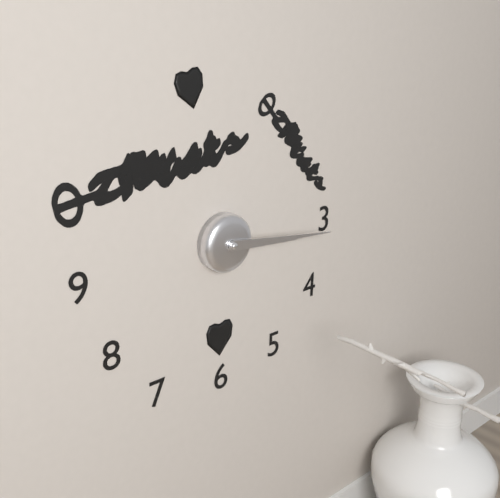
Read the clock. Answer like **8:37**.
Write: **3:16**
